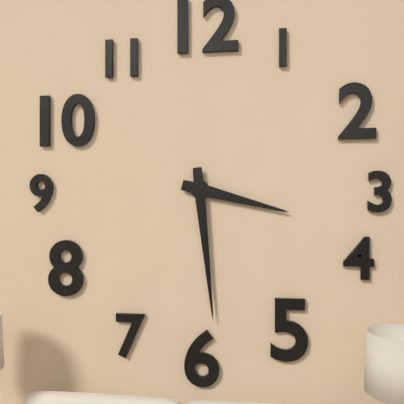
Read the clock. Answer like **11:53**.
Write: **3:29**
